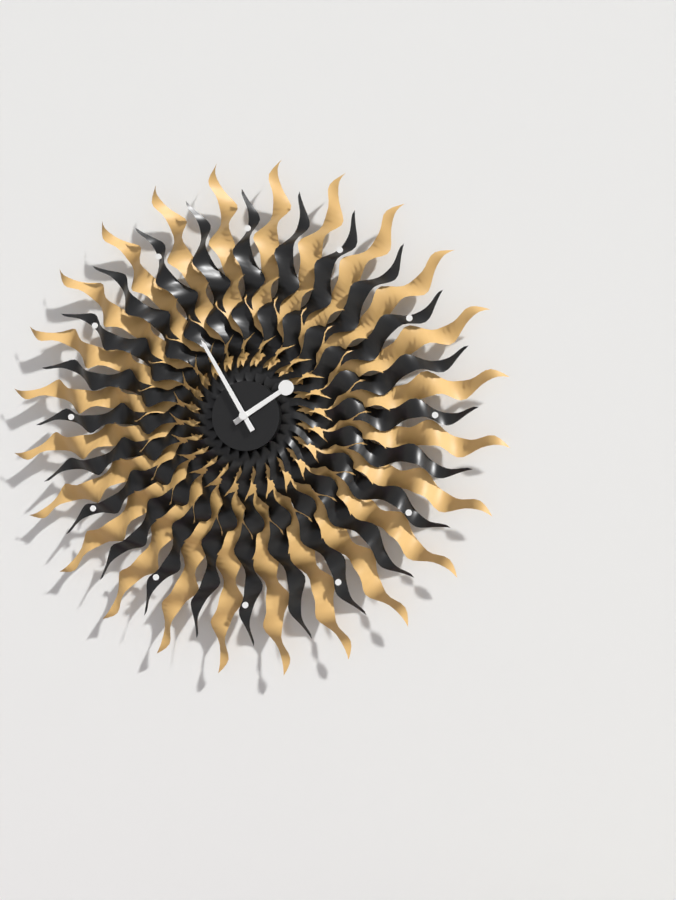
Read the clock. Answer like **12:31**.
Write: **1:55**
